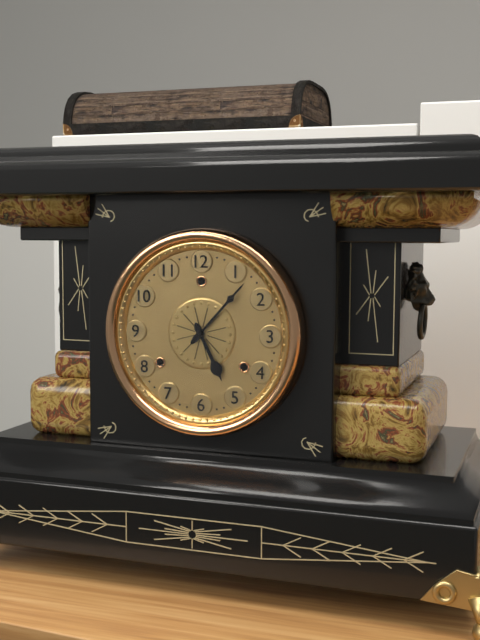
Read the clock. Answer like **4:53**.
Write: **5:07**
